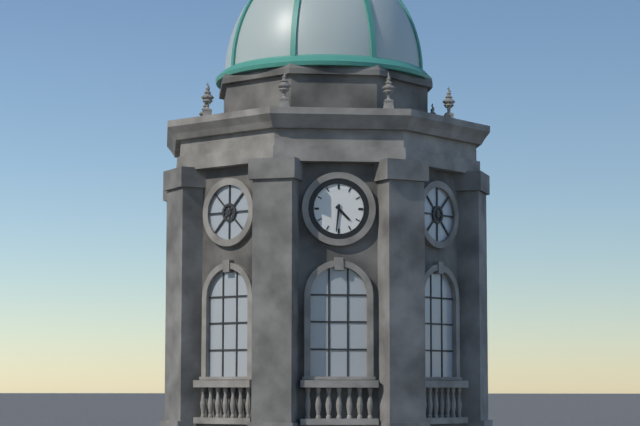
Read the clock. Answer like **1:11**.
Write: **4:31**
